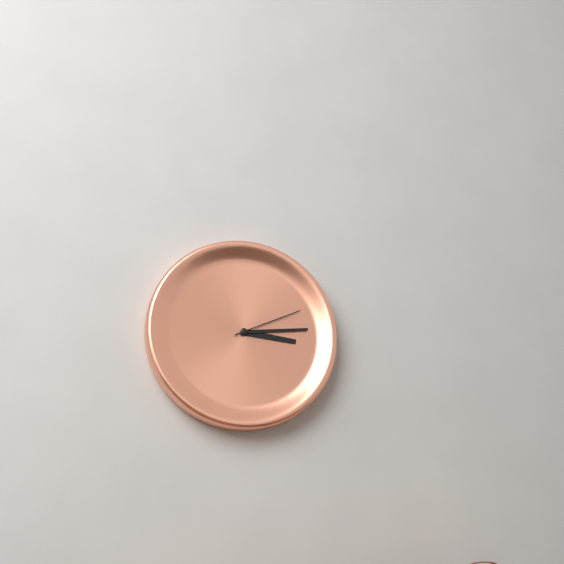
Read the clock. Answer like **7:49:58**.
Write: **3:14:11**
